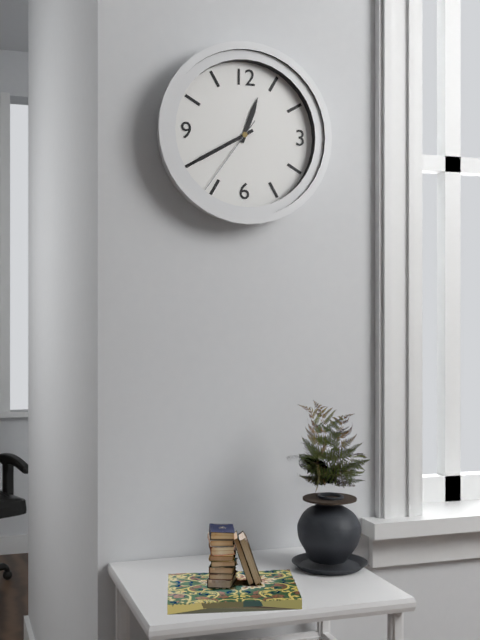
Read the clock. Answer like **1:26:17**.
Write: **12:40:36**
